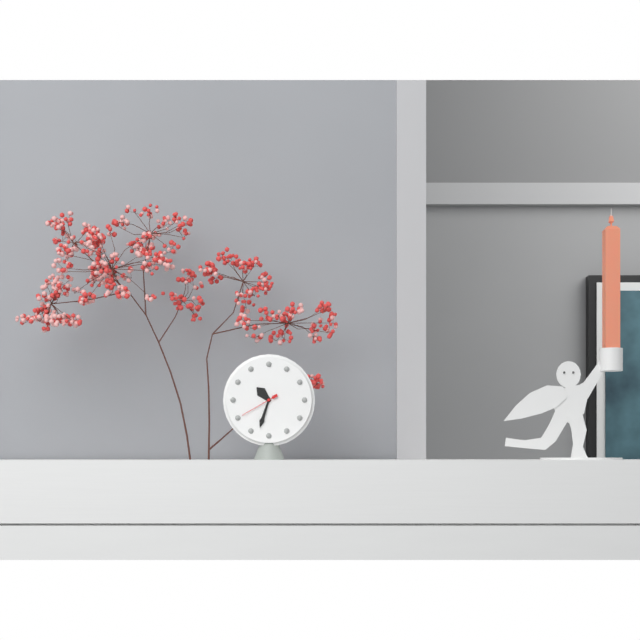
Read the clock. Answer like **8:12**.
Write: **10:33**
